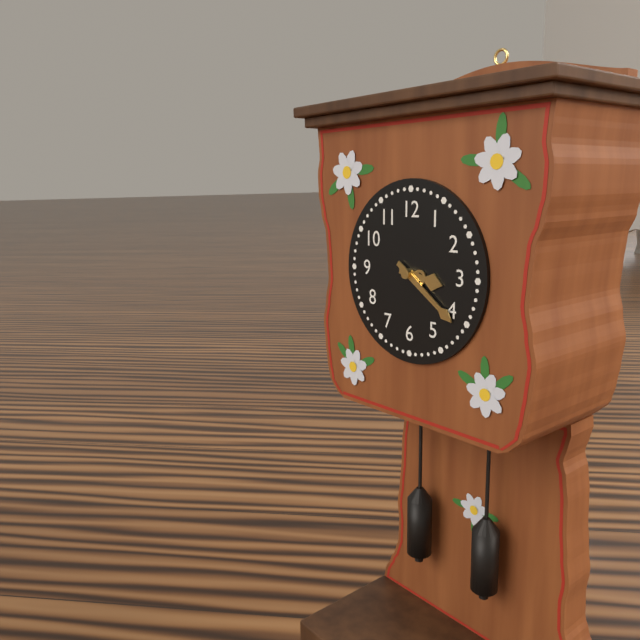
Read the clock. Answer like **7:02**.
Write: **3:21**
